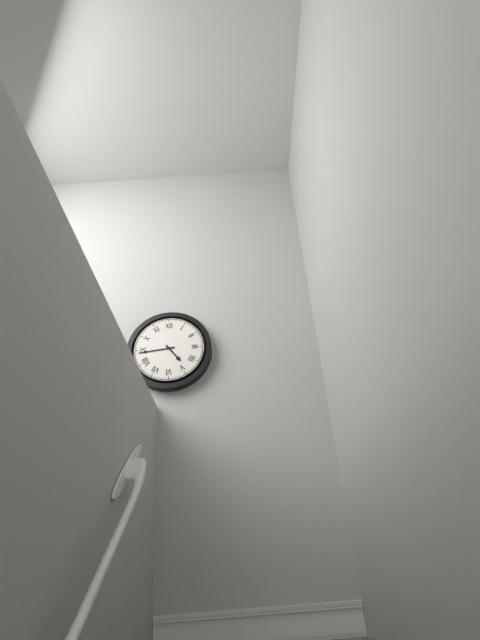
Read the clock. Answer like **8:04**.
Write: **4:44**
